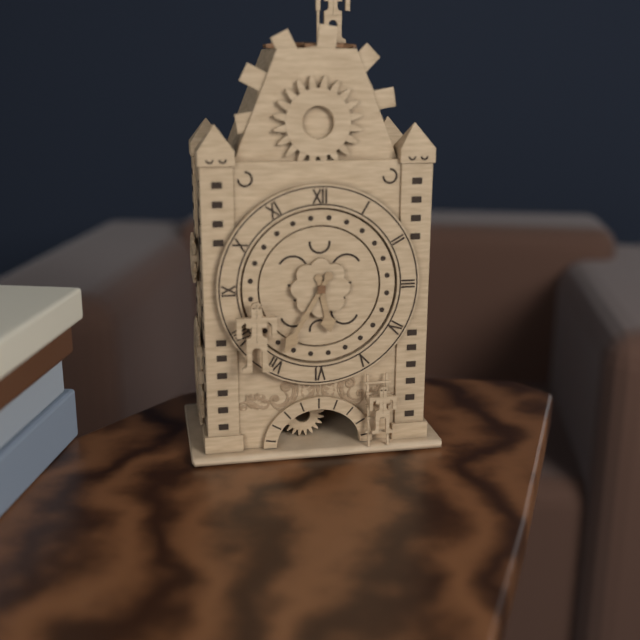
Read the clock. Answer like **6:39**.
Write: **5:35**
